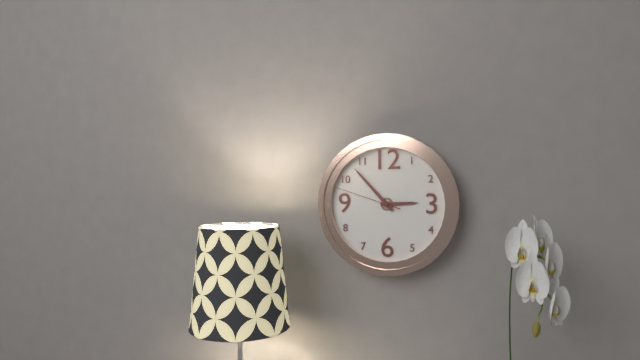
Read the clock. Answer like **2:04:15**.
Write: **2:53:48**
